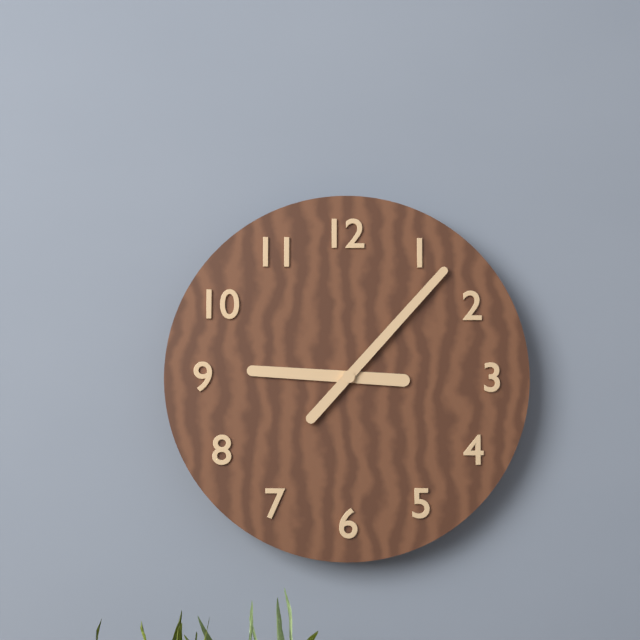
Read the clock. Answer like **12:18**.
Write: **9:07**
